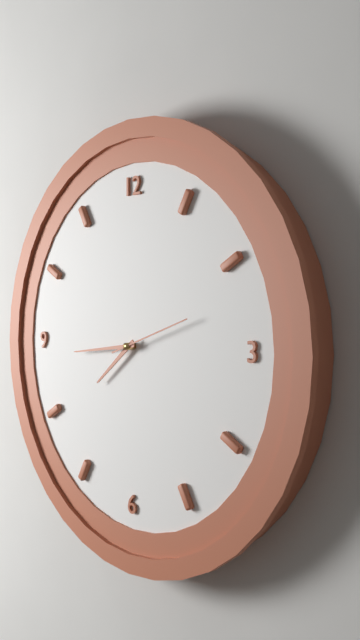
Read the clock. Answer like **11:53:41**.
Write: **7:44:12**
